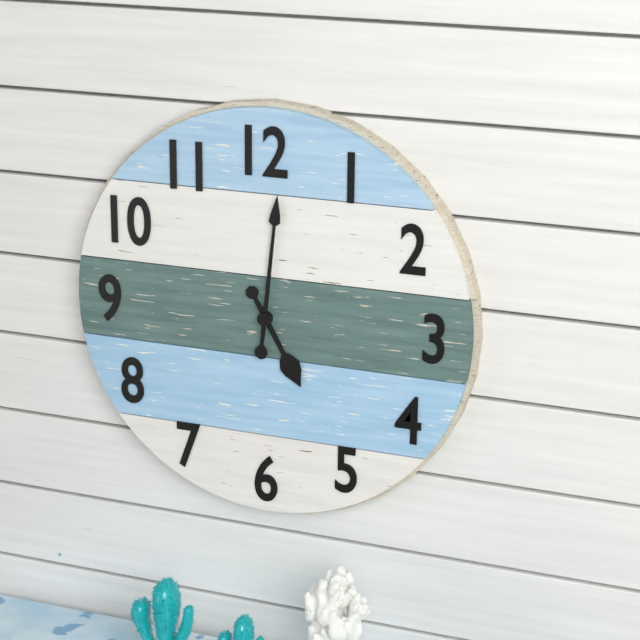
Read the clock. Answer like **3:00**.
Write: **5:01**
